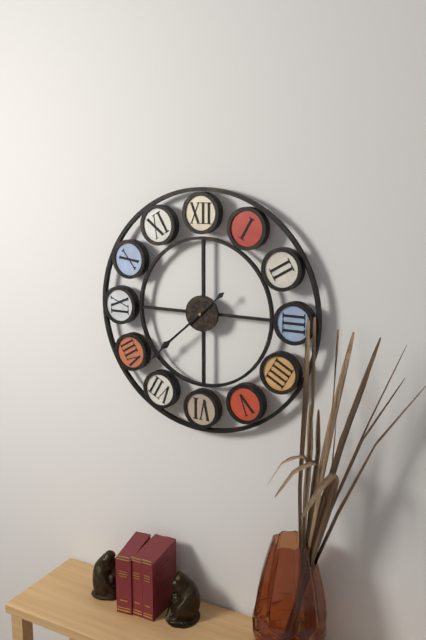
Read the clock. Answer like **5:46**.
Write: **7:38**
